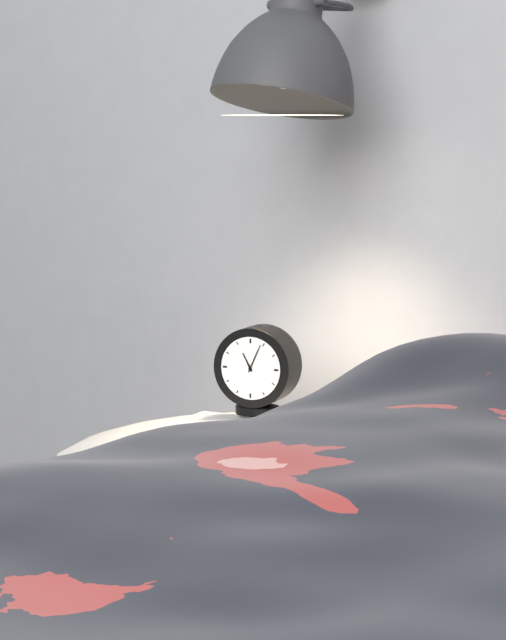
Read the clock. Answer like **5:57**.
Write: **11:04**
